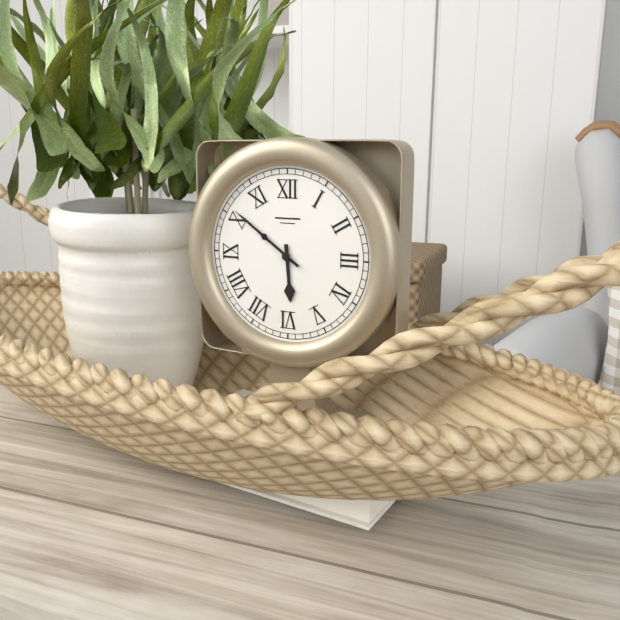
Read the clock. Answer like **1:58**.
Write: **5:51**
